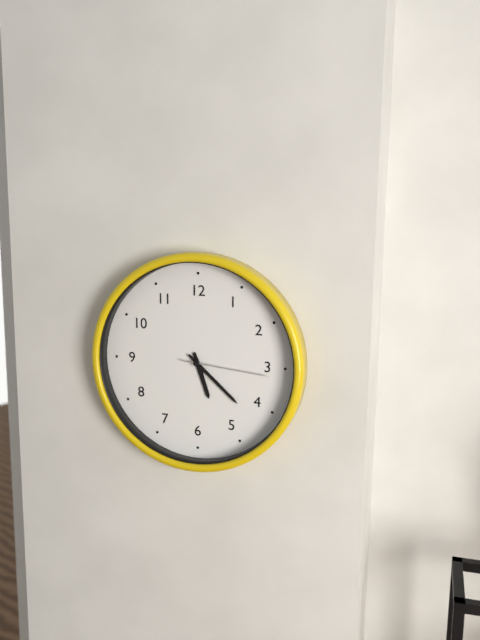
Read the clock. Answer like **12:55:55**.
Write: **5:22:16**
